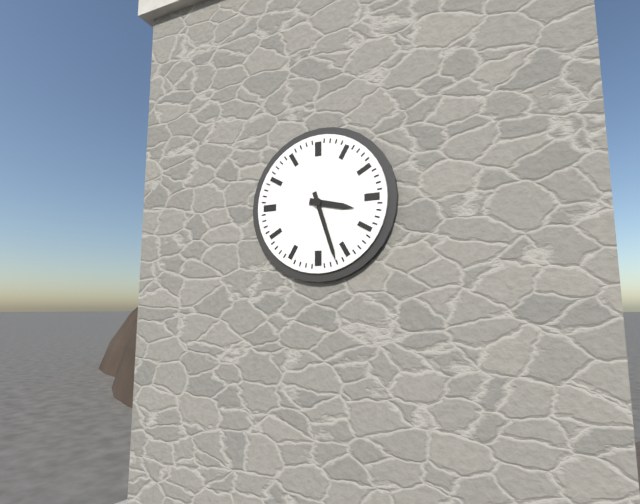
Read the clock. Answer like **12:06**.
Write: **3:27**
